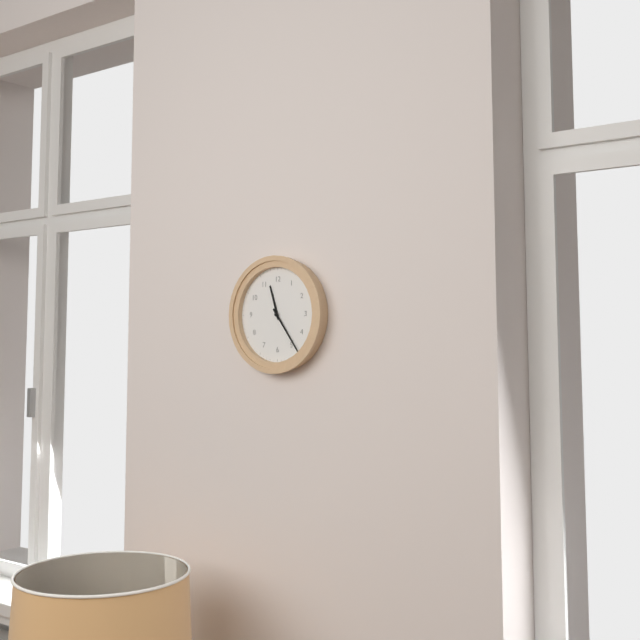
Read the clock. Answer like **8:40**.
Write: **11:24**
